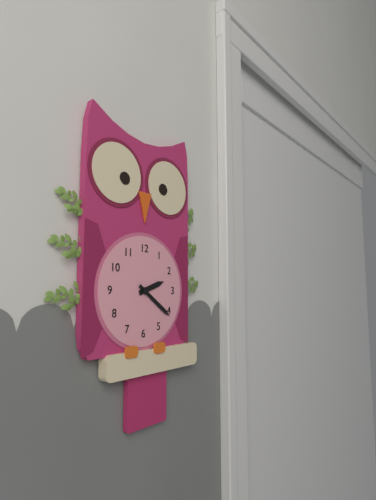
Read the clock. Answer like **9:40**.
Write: **2:21**
